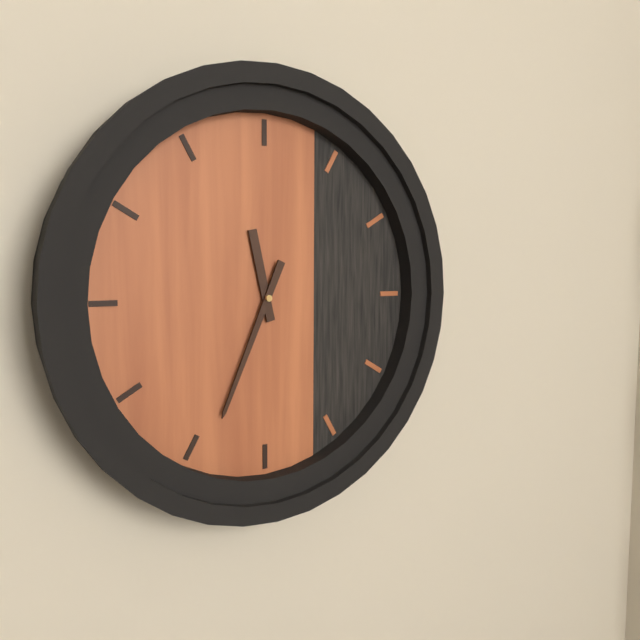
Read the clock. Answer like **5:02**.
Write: **11:34**
